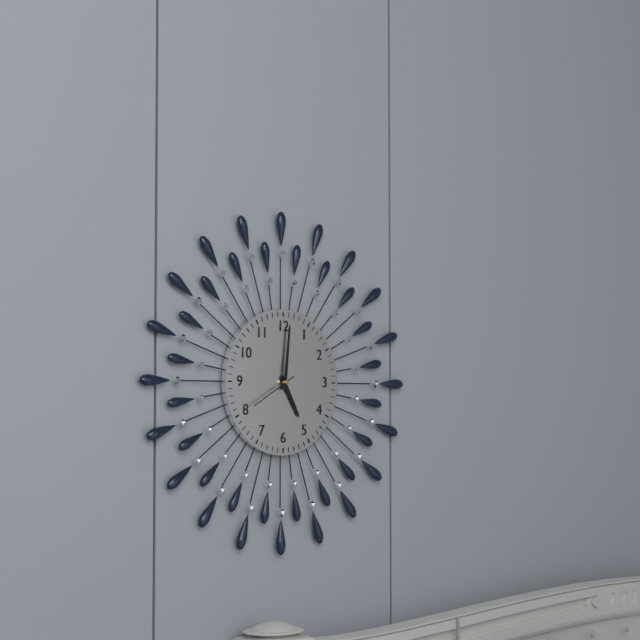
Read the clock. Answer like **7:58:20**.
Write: **5:01:40**
